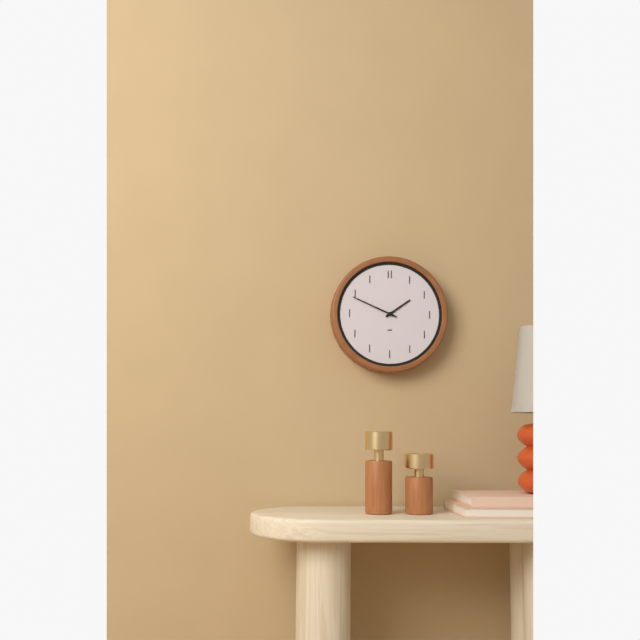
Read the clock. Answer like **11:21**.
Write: **1:49**
